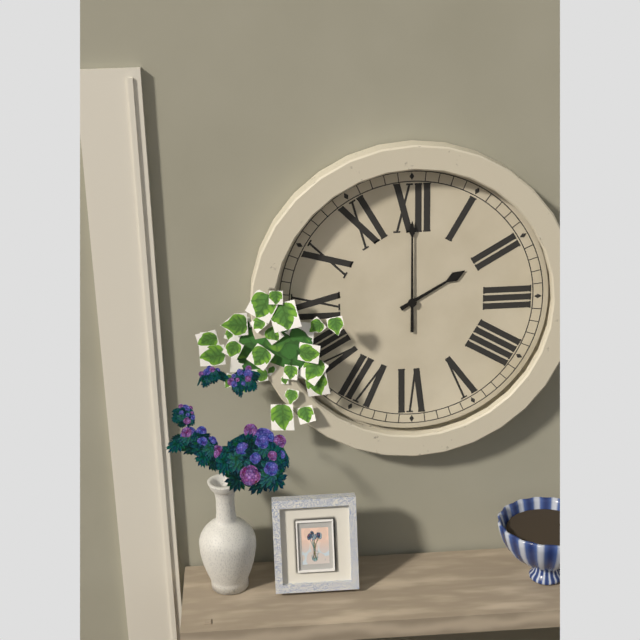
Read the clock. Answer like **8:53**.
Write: **2:00**
